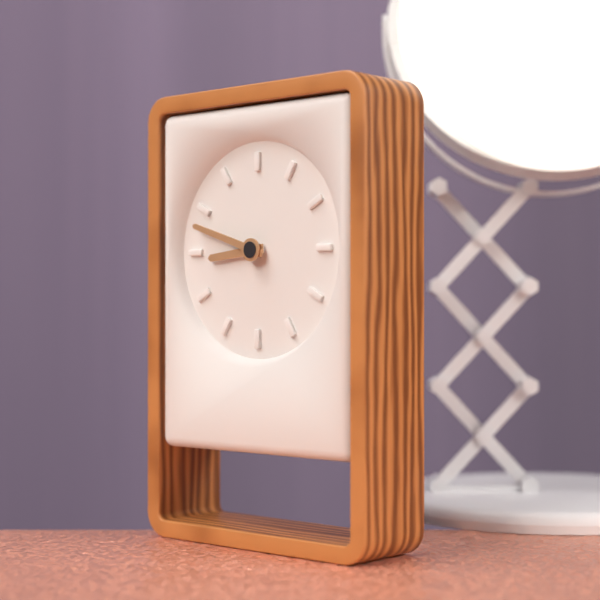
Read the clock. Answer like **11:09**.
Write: **8:48**
